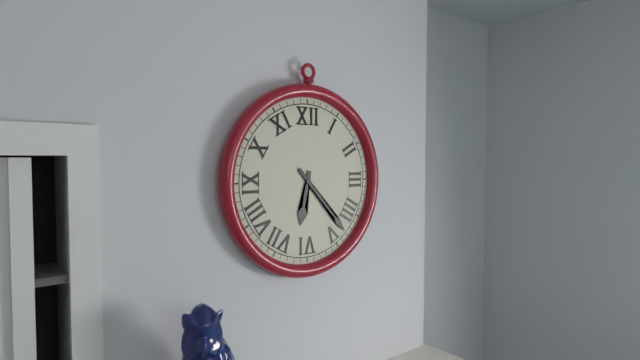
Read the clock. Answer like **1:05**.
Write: **6:23**
